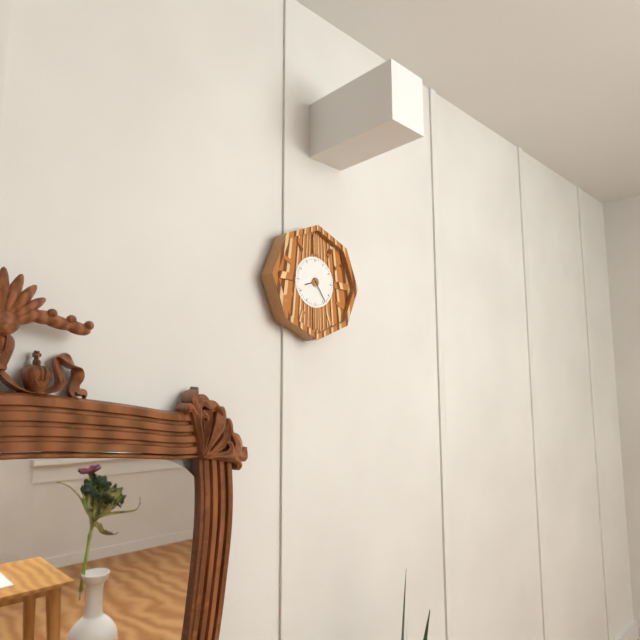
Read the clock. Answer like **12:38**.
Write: **8:24**
